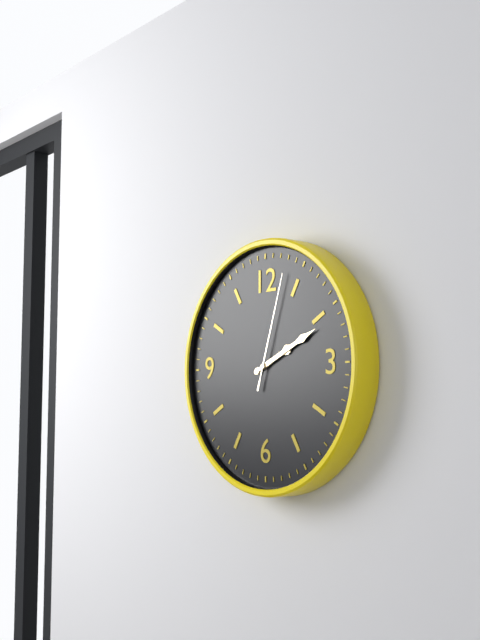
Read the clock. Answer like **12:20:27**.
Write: **2:11:03**
